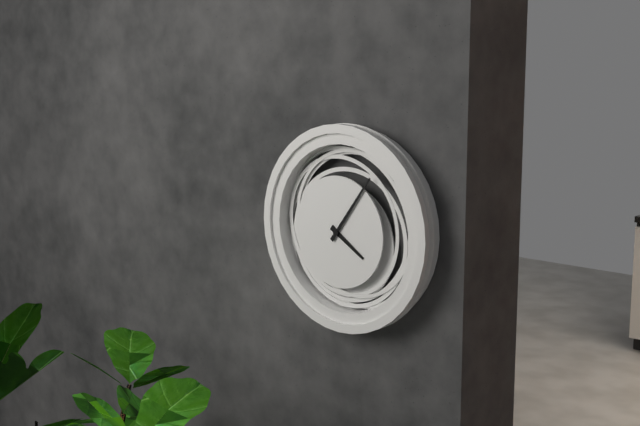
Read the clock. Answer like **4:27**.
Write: **4:06**
